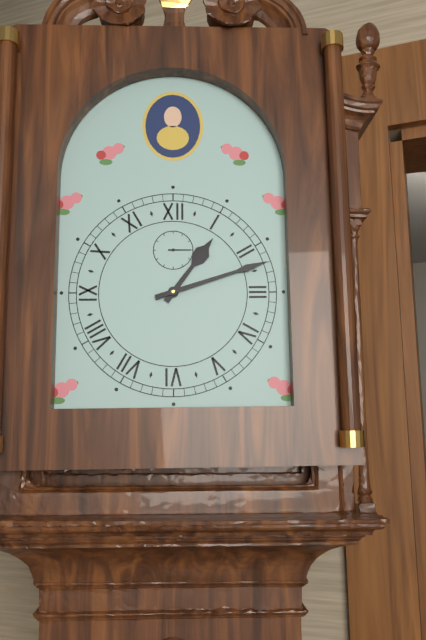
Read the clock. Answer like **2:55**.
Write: **1:12**
